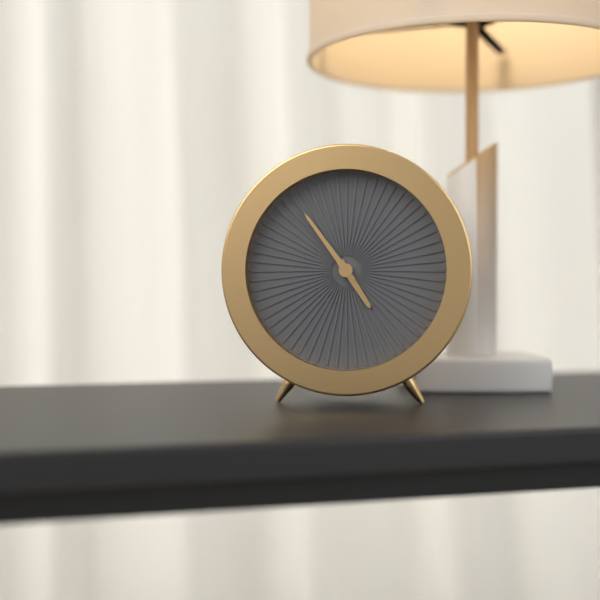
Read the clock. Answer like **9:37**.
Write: **4:54**
